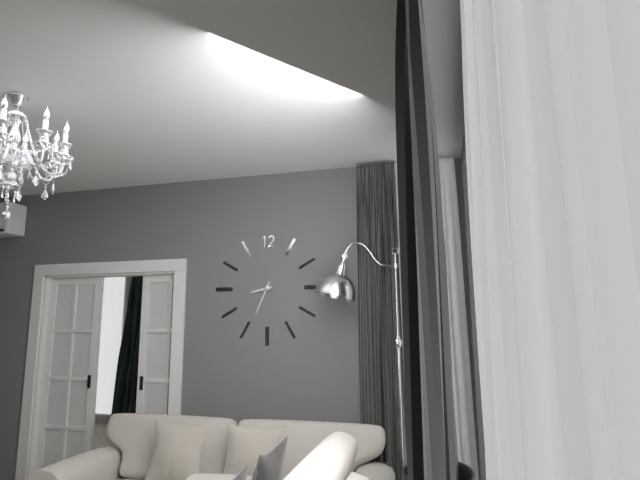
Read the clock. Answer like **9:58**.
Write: **8:34**
